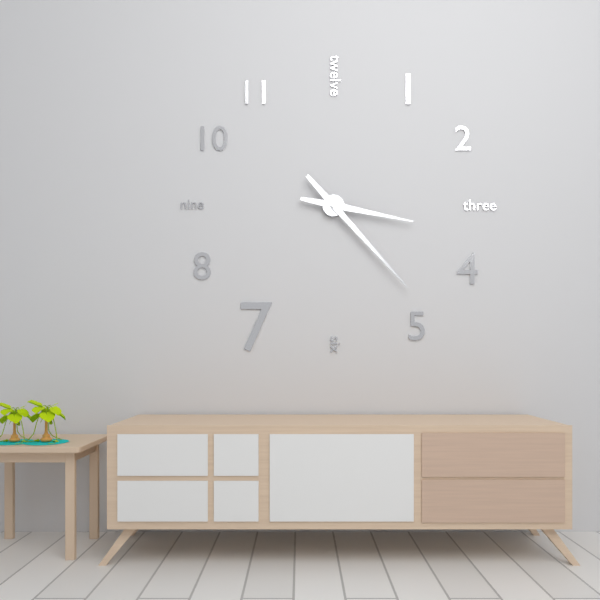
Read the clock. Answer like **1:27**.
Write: **3:23**
